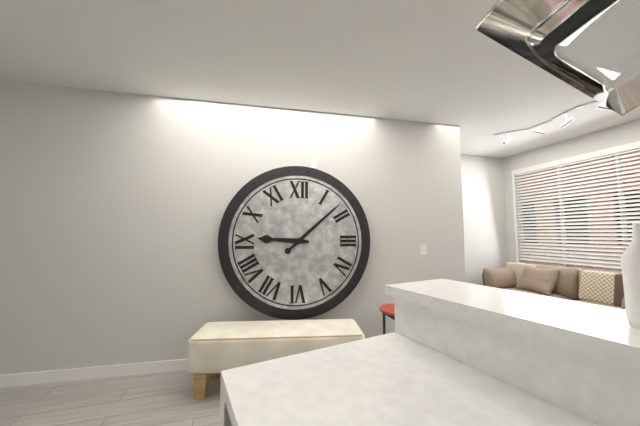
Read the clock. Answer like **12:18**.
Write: **9:08**
